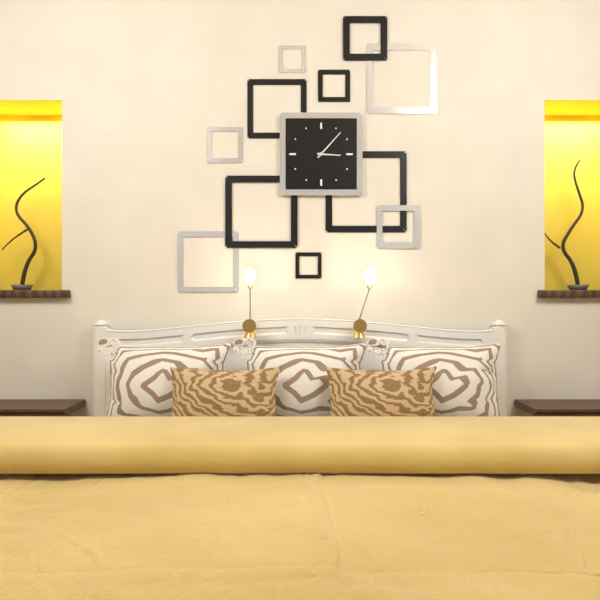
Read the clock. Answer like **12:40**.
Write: **3:07**
